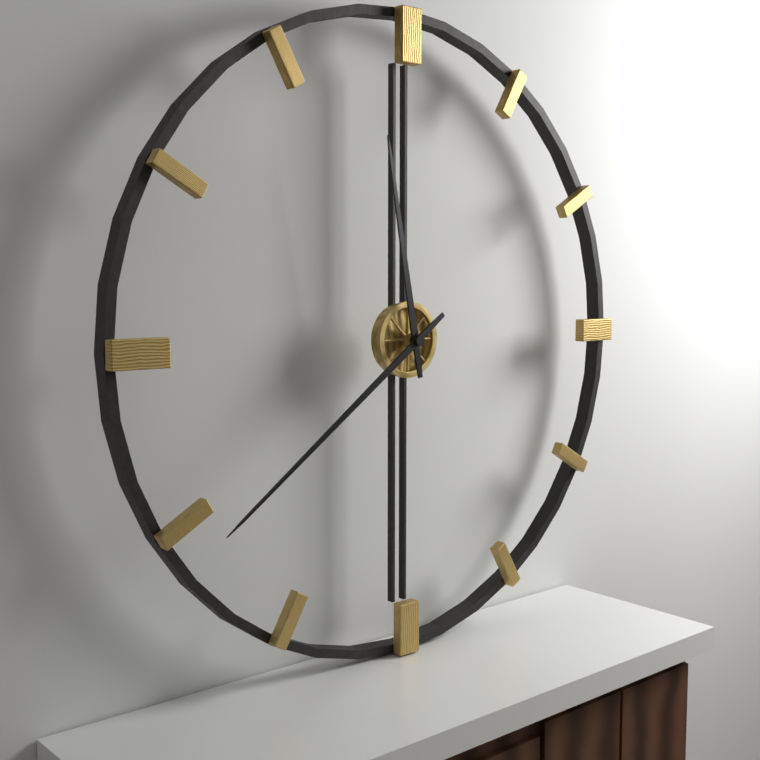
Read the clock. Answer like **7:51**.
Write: **11:39**
